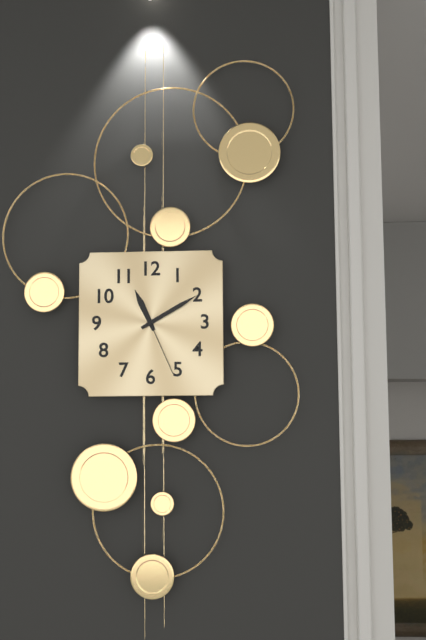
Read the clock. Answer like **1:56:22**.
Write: **11:10:26**
